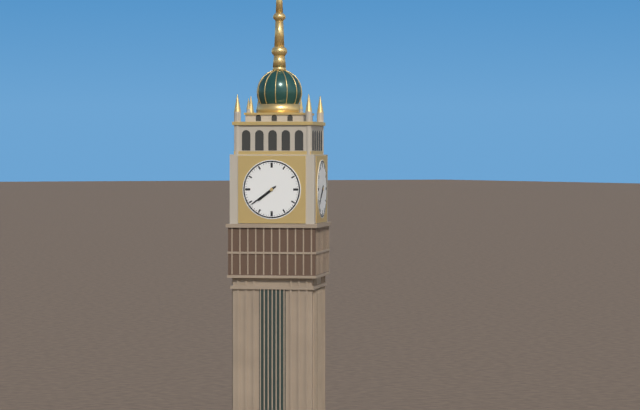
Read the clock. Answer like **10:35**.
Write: **7:39**
